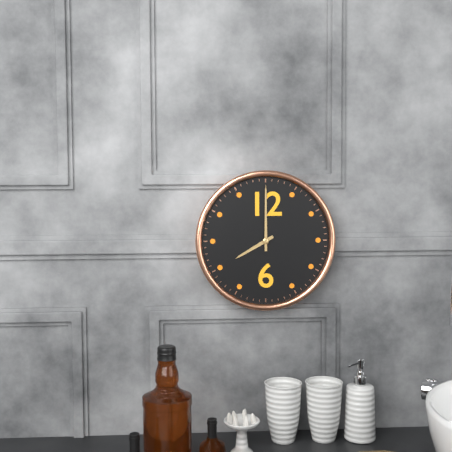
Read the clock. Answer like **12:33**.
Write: **8:00**
